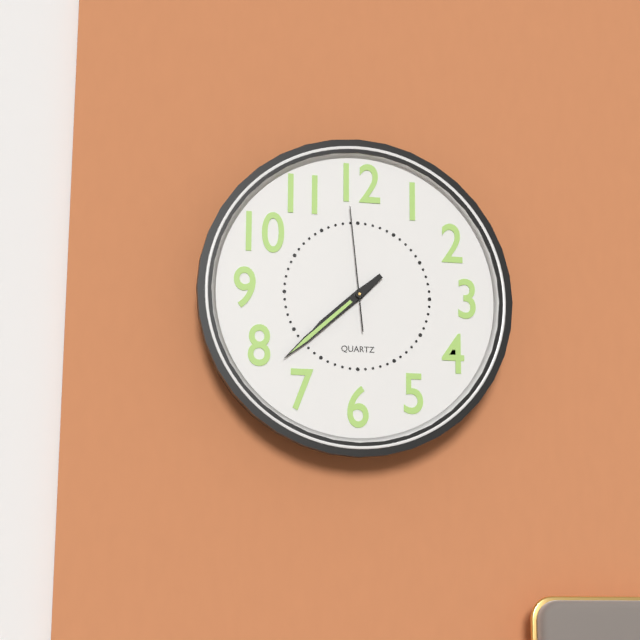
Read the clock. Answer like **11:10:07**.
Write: **7:38:59**
